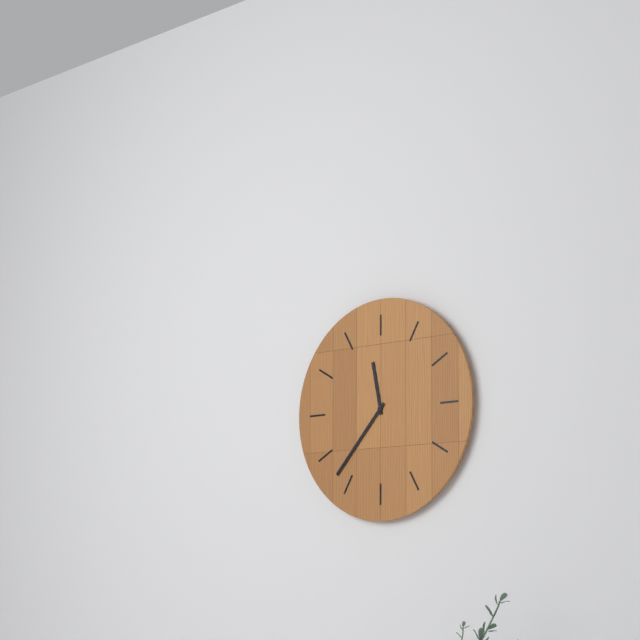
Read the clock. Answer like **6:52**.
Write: **11:37**
